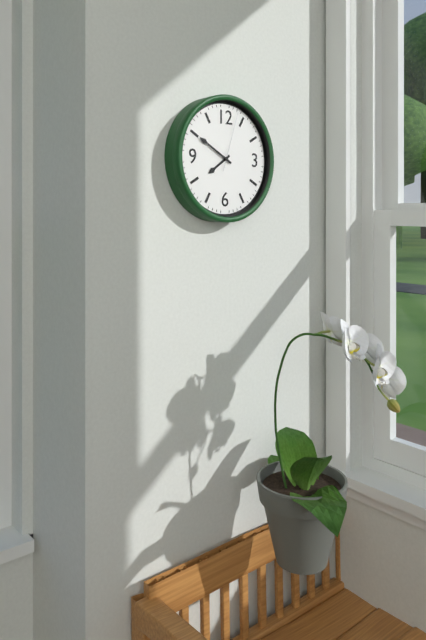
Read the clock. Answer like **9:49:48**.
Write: **7:50:03**
